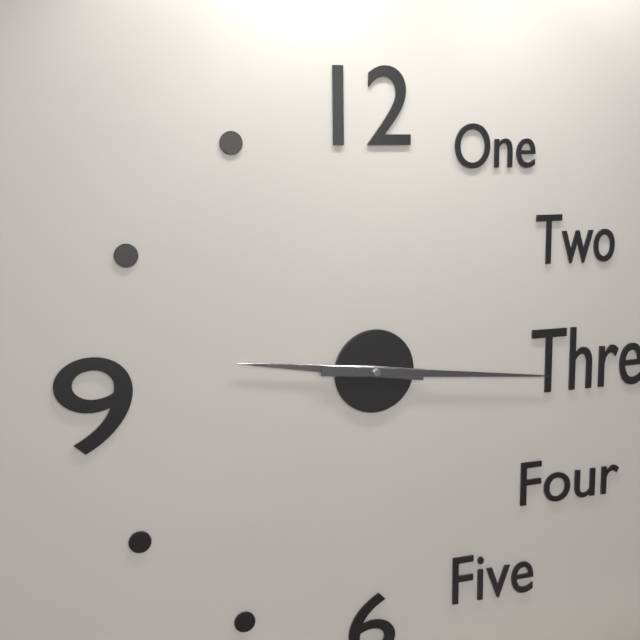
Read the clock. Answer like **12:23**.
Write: **9:16**
